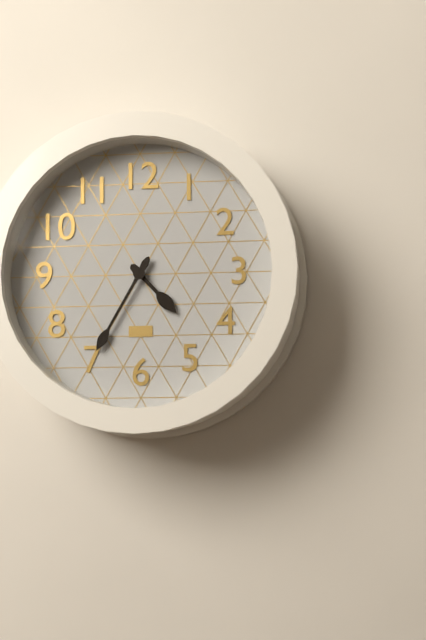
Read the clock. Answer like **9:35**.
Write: **4:35**
